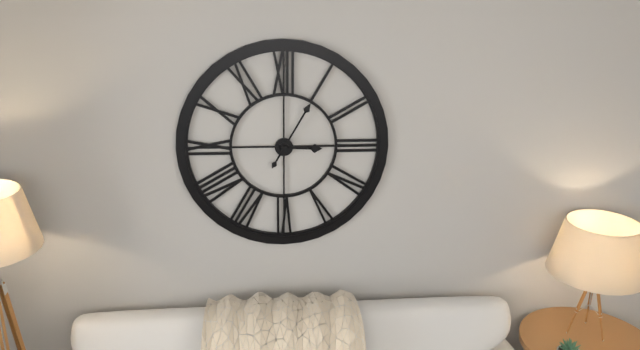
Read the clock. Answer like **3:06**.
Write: **3:05**
